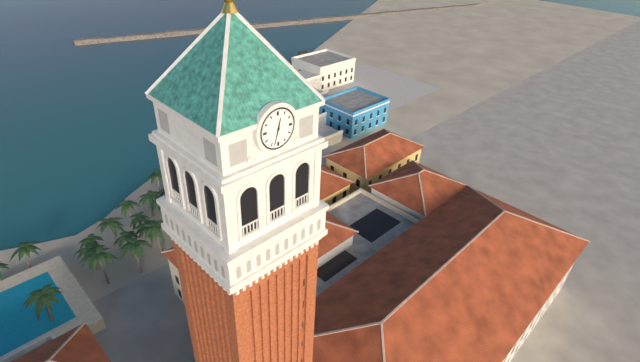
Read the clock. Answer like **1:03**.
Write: **12:33**
